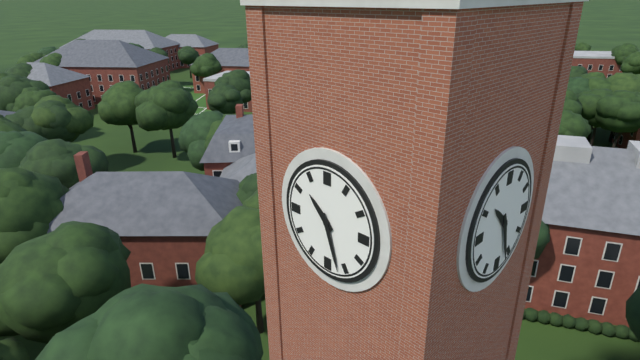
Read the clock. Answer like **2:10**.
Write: **10:27**
